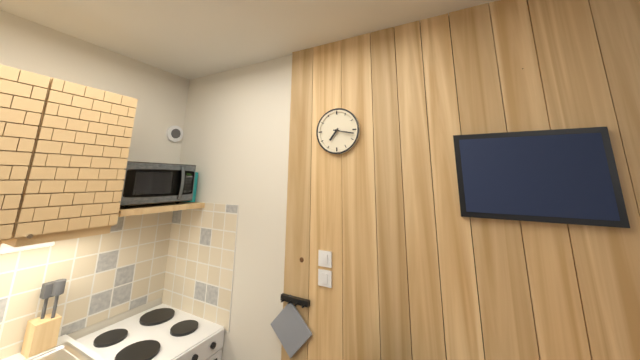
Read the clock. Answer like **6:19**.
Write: **7:17**
